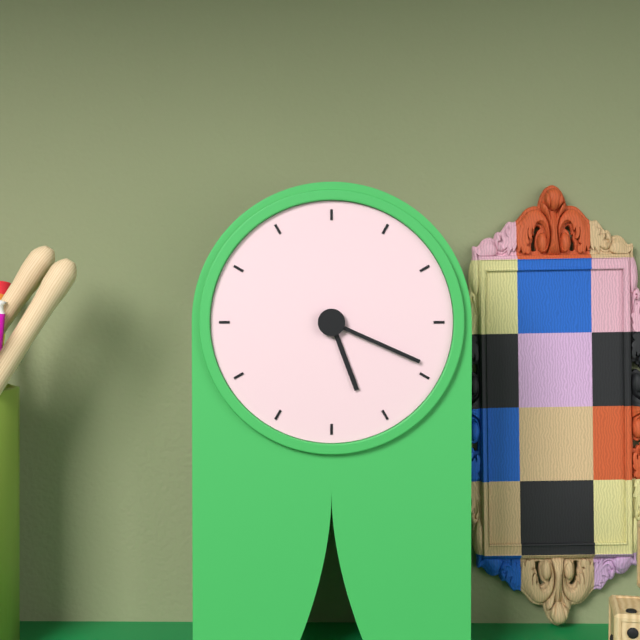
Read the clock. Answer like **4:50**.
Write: **5:19**
